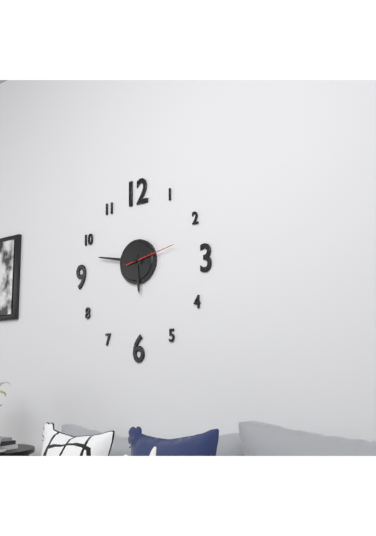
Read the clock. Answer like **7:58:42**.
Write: **5:47:13**
